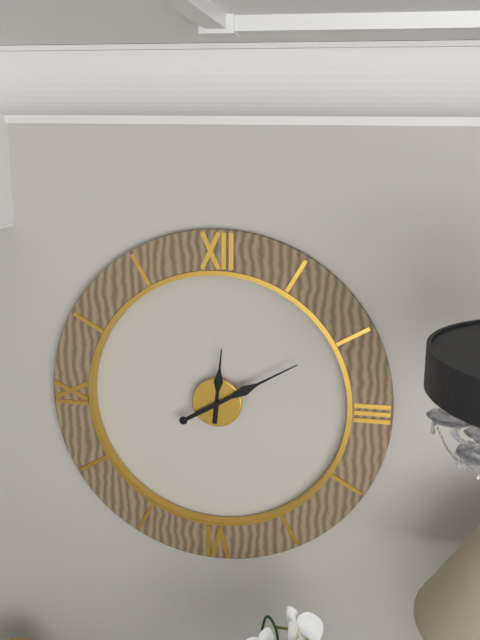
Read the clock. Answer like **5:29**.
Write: **12:10**
